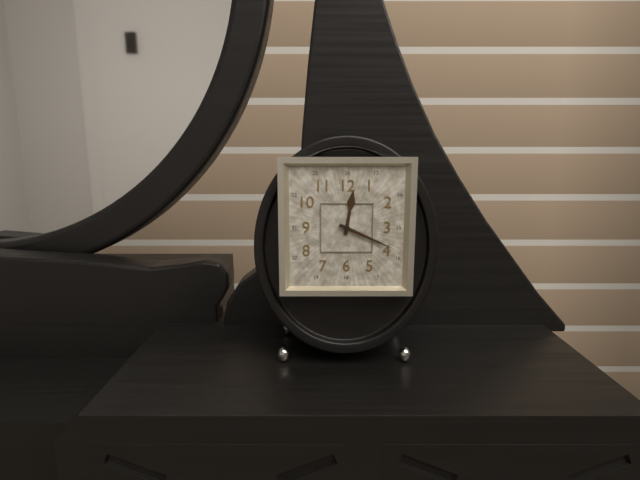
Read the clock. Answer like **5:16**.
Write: **12:19**
